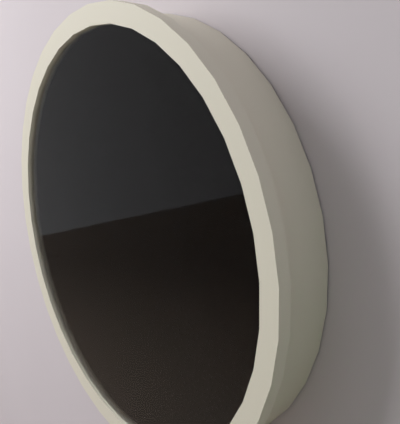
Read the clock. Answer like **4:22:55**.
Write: **12:26:22**
